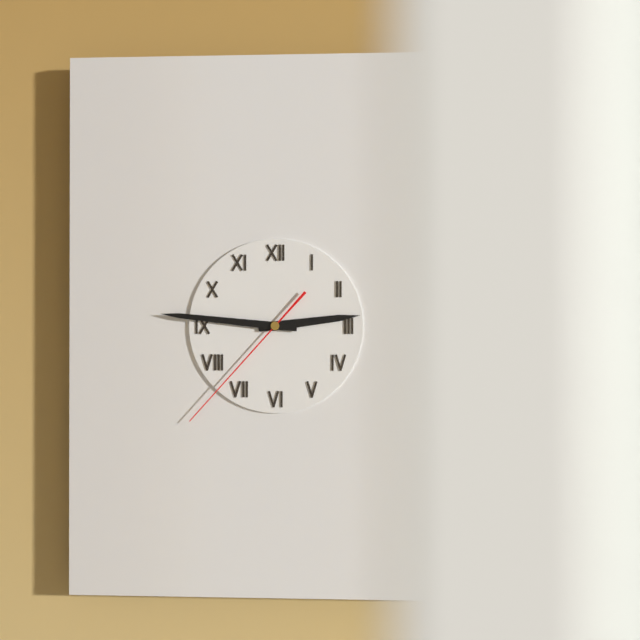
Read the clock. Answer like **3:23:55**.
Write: **2:46:37**
